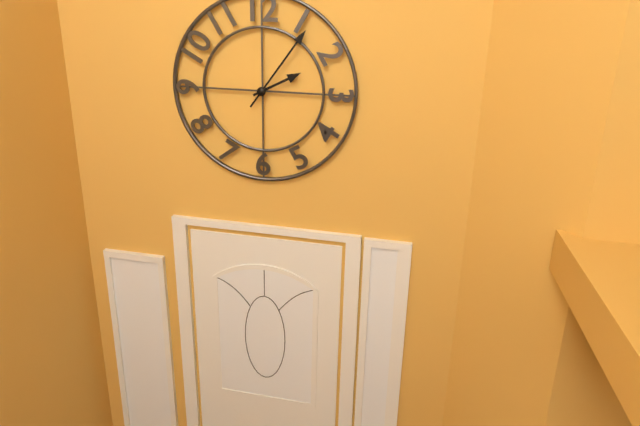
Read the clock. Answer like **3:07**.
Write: **2:06**
